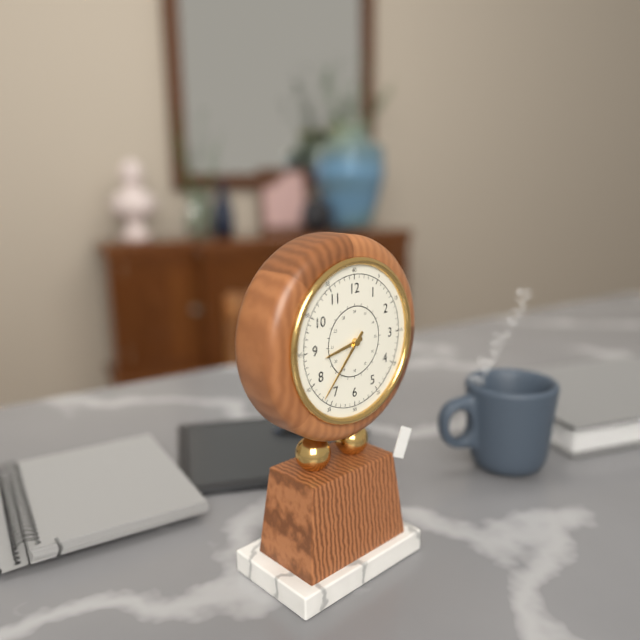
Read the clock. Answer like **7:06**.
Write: **8:37**
